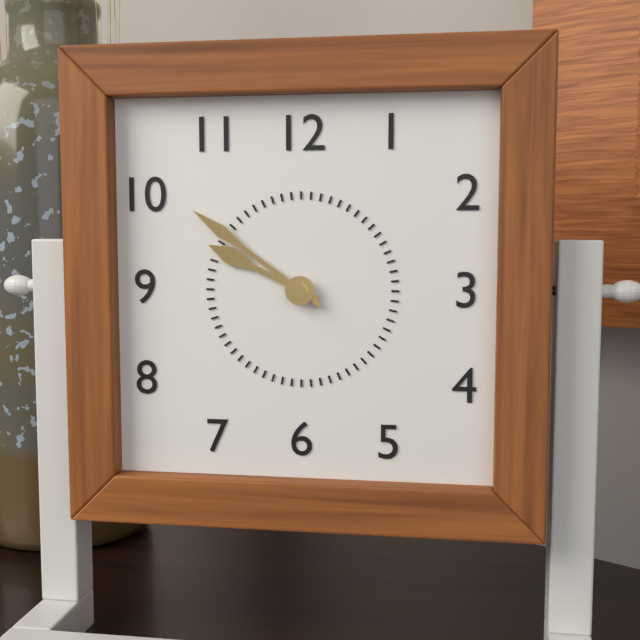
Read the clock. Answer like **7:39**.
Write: **9:51**
